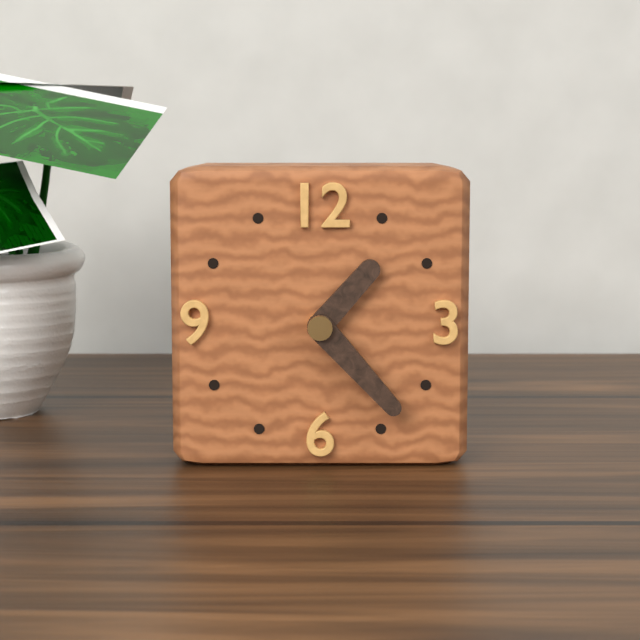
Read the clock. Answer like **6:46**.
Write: **1:23**
